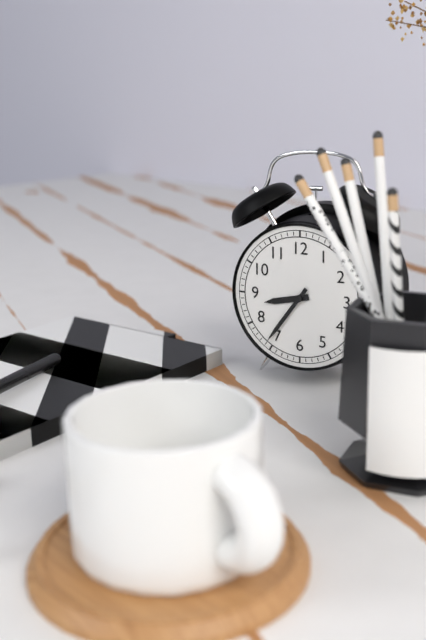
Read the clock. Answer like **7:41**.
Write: **8:36**
